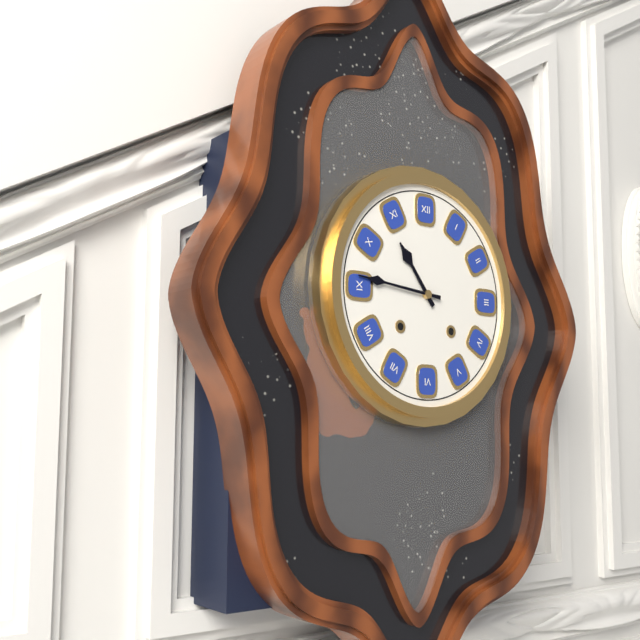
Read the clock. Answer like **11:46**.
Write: **10:46**
